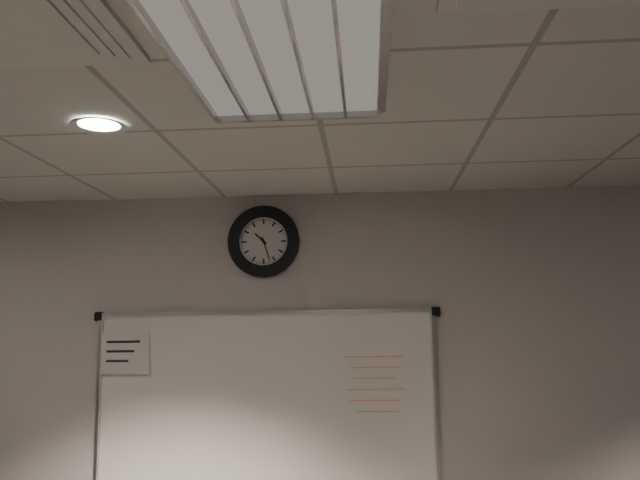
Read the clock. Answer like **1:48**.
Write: **10:27**
